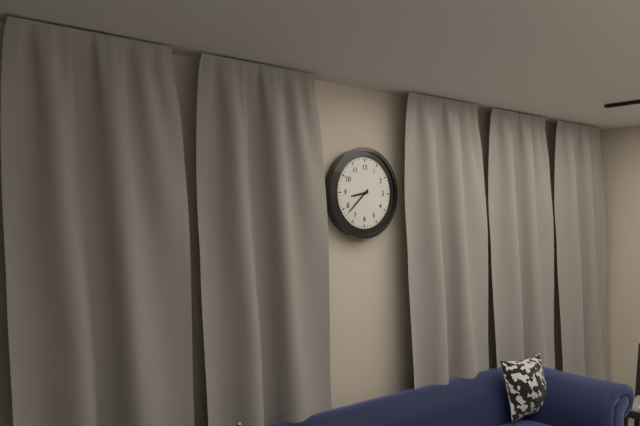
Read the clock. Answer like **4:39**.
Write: **8:38**
